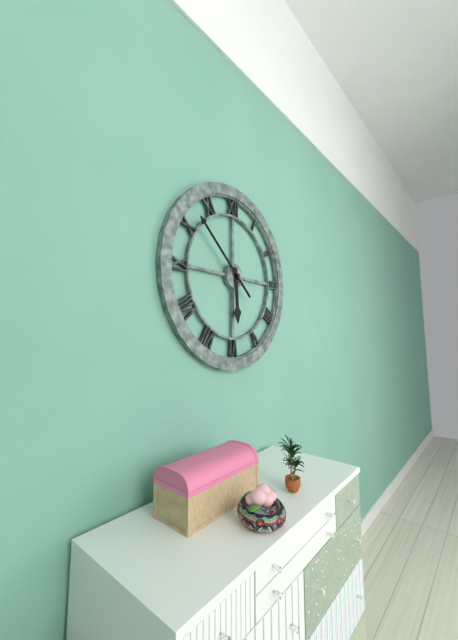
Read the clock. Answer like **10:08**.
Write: **5:52**
